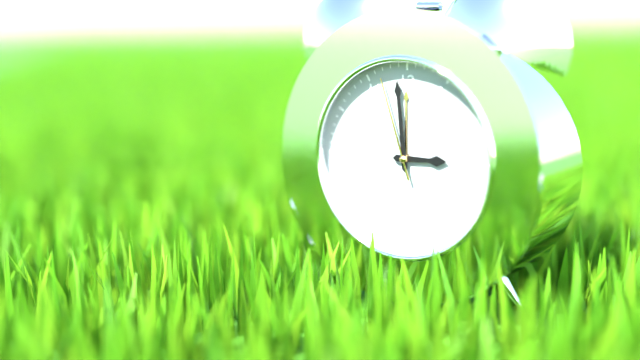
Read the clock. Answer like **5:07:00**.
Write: **2:59:57**
